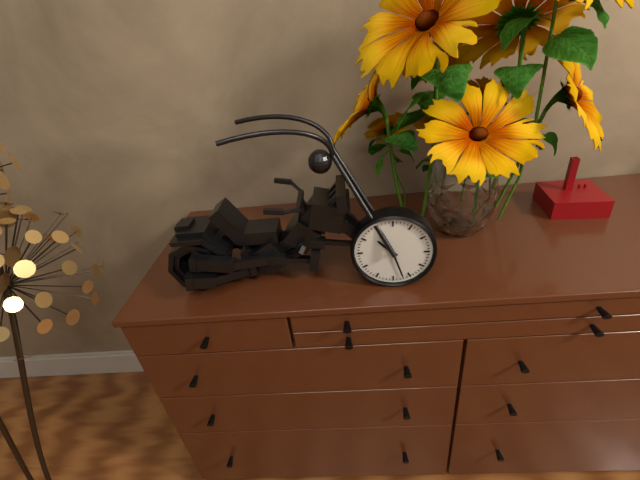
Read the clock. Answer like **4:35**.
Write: **10:27**
